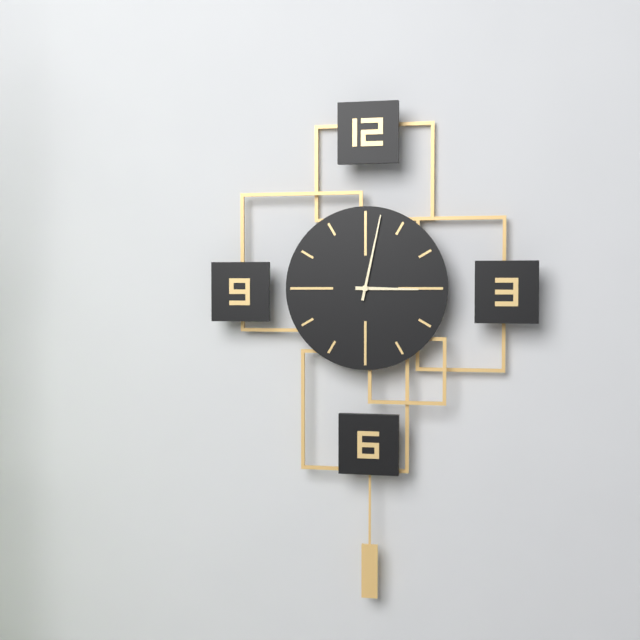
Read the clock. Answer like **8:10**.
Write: **3:02**
